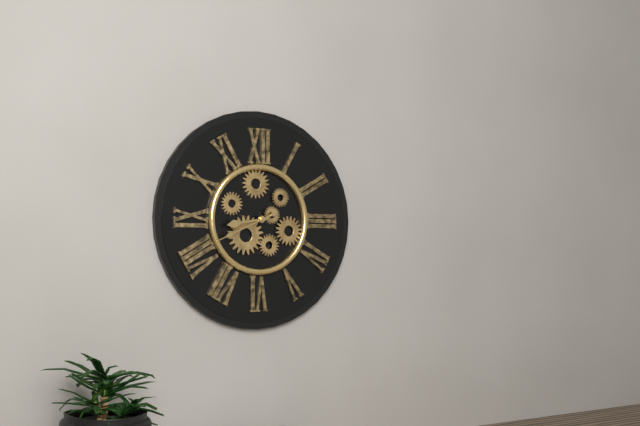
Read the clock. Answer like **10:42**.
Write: **8:41**
